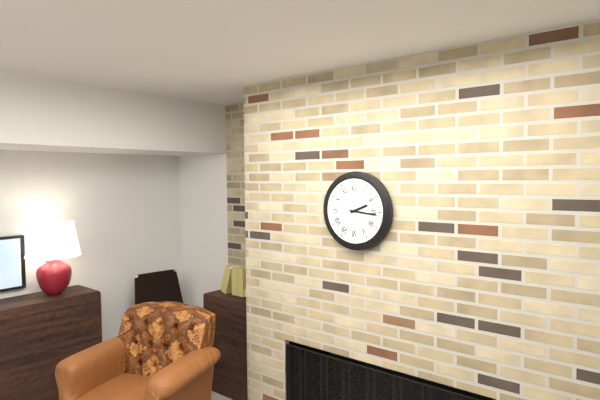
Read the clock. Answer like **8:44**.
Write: **2:16**
